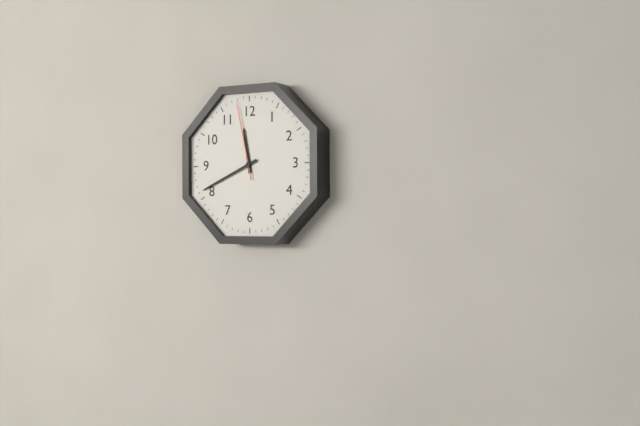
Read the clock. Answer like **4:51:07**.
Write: **11:41:58**
